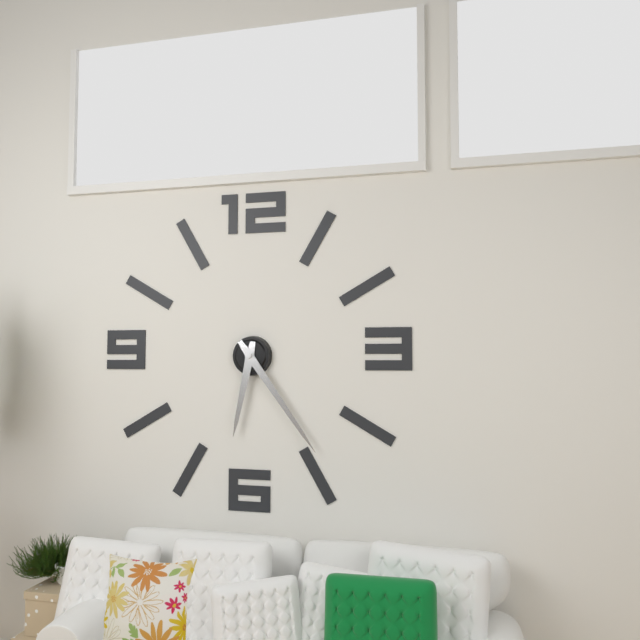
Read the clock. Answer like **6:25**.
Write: **6:24**
